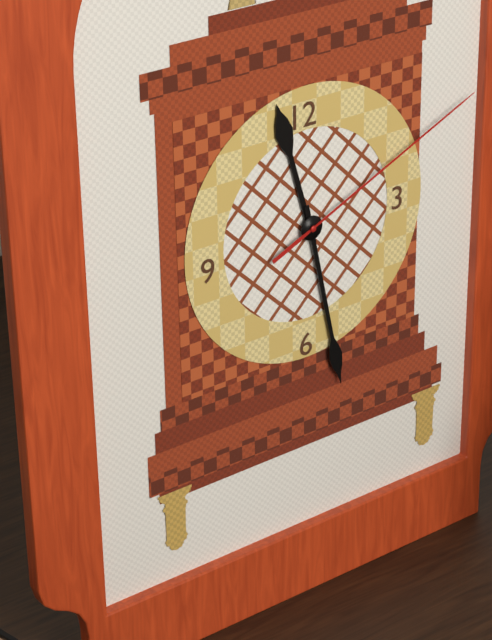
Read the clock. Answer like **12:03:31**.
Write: **11:28:11**
